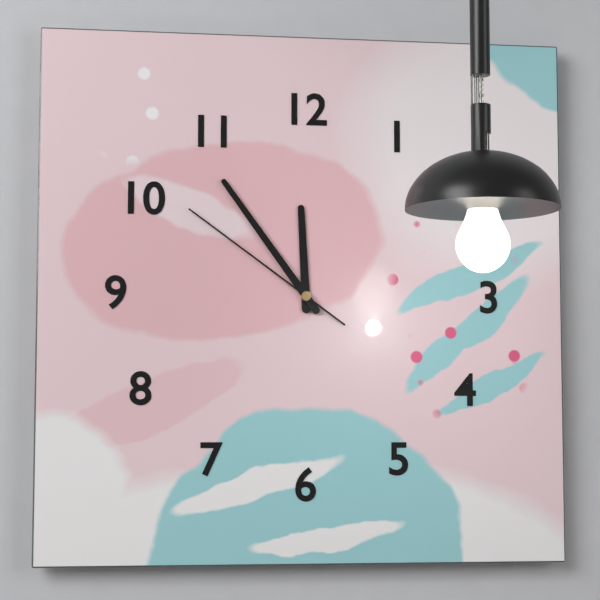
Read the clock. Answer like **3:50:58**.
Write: **11:54:51**
